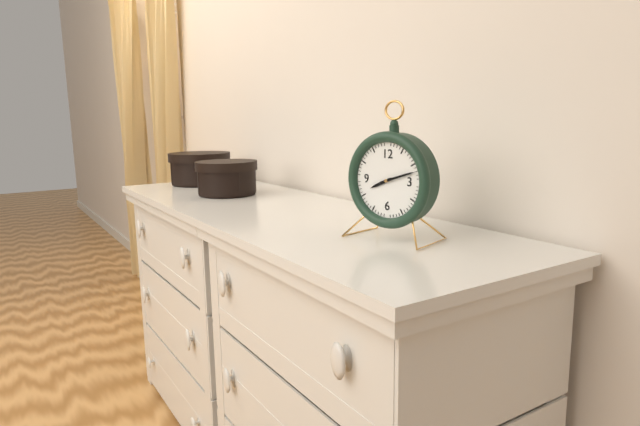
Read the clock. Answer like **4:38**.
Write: **8:12**
